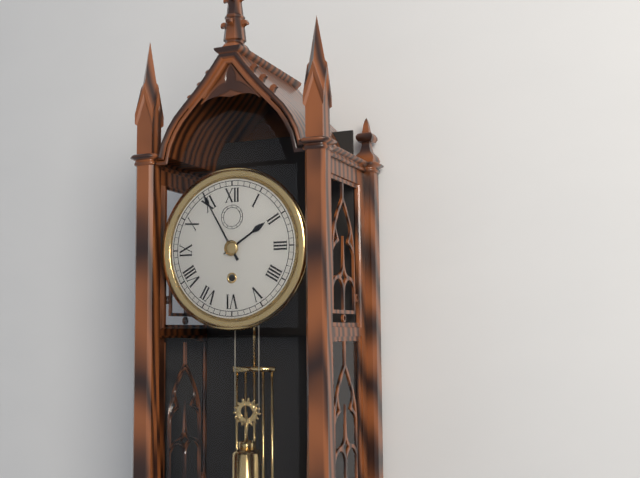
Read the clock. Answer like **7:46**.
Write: **1:55**
